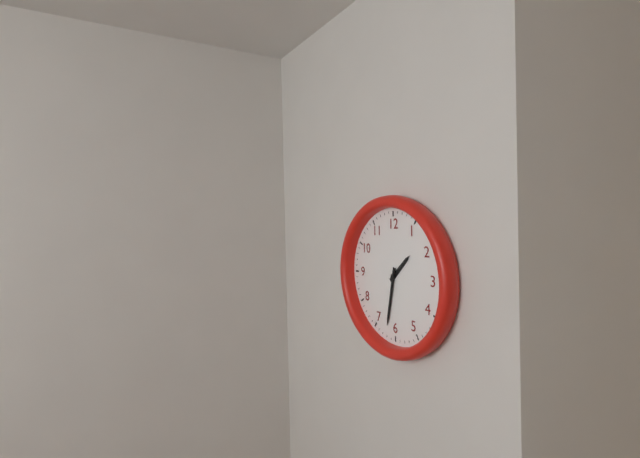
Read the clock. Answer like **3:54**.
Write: **1:32**
